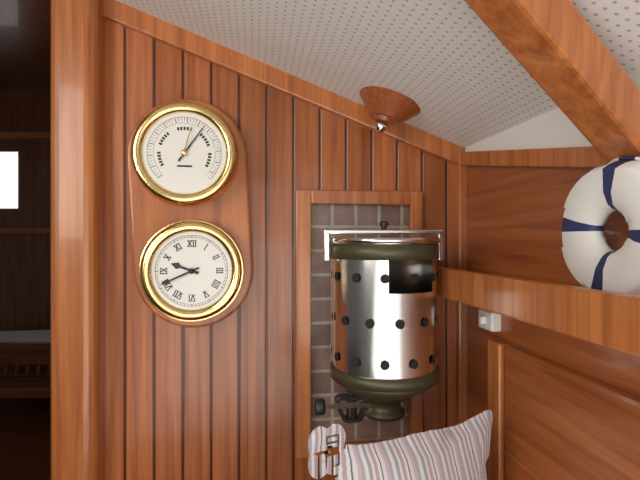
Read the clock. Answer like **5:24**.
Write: **9:41**
